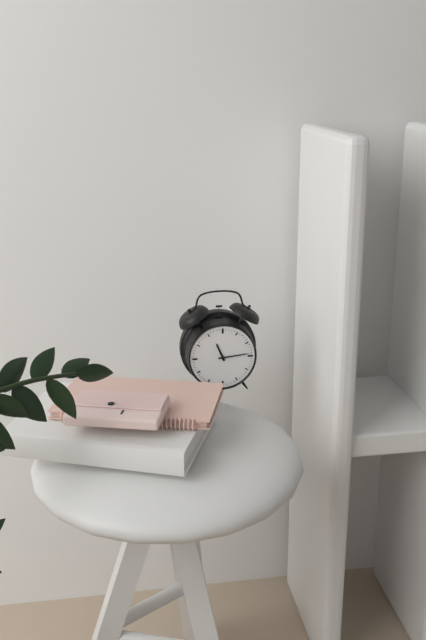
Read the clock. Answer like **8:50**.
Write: **11:14**
